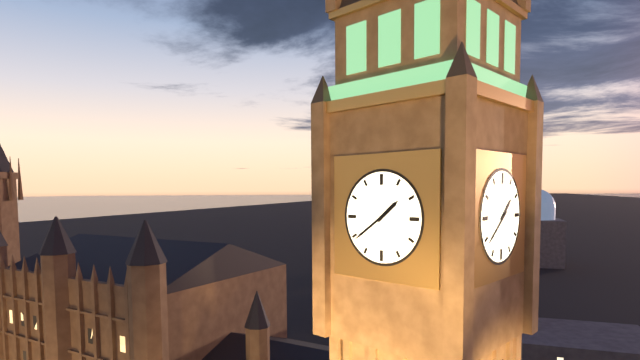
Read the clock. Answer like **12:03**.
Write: **1:39**
